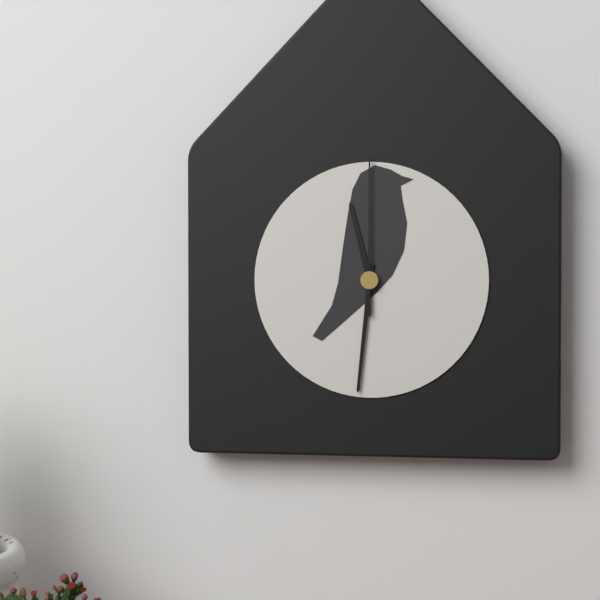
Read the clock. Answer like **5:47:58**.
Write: **11:31:00**
